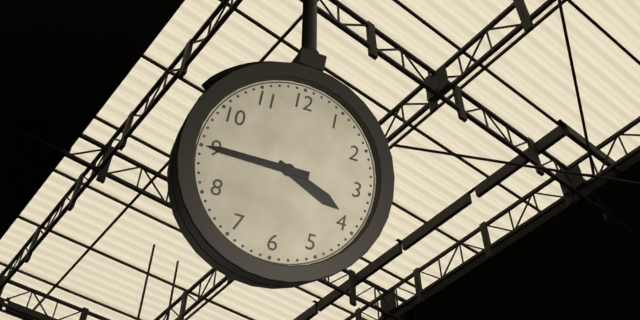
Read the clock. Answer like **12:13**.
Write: **3:45**
